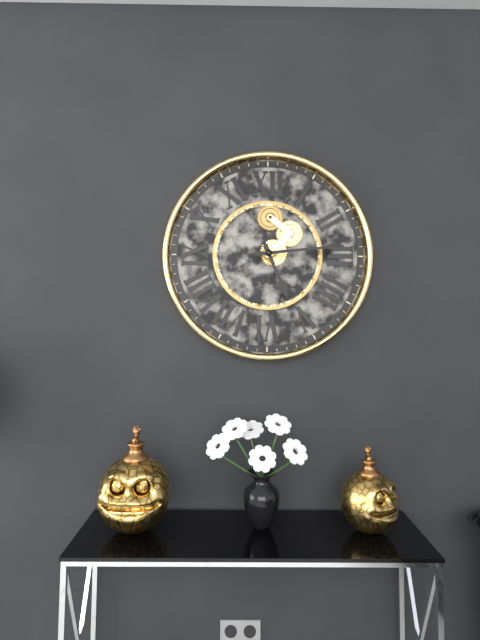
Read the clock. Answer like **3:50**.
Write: **5:14**
